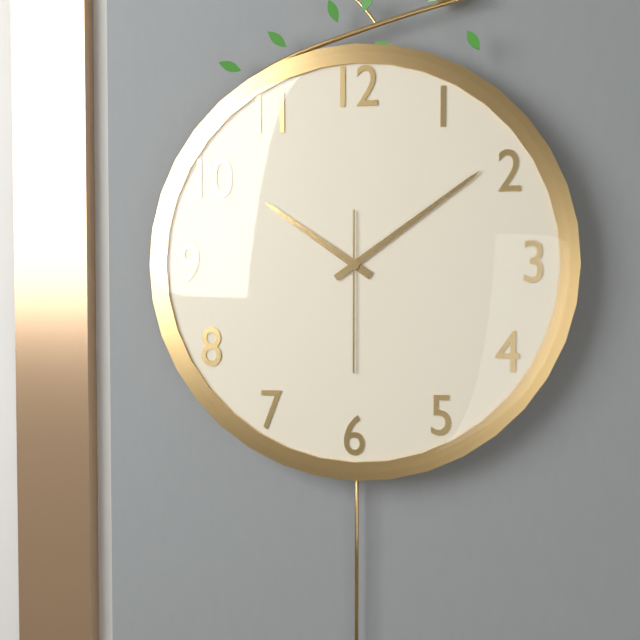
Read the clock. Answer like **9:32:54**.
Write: **10:09:30**
